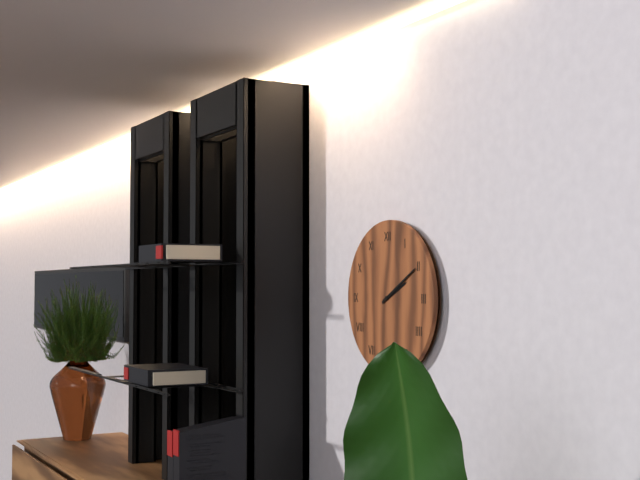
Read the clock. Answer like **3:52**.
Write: **2:10**
